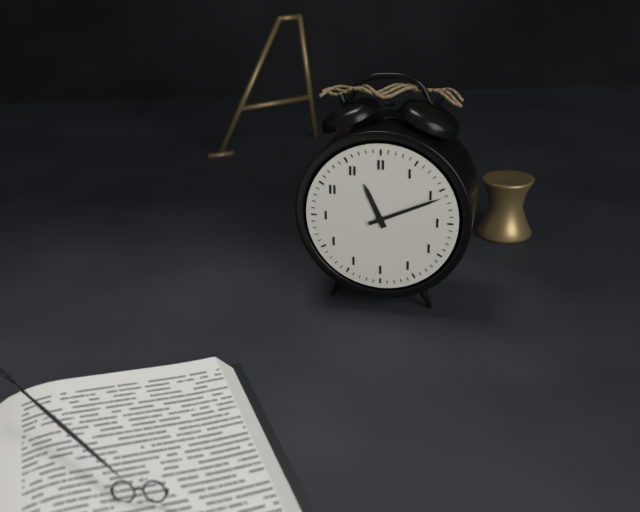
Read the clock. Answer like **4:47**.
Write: **11:11**
